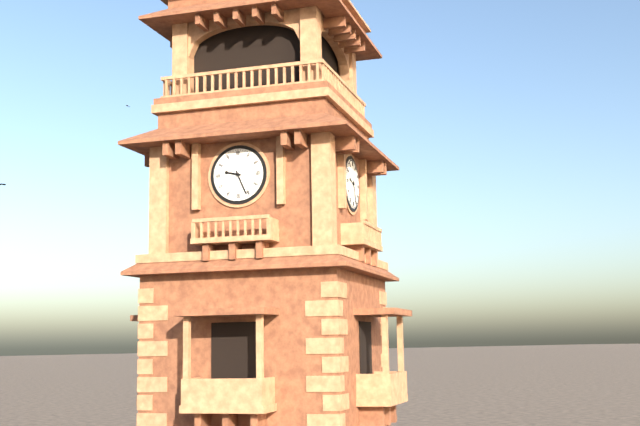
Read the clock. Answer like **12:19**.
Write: **9:26**
